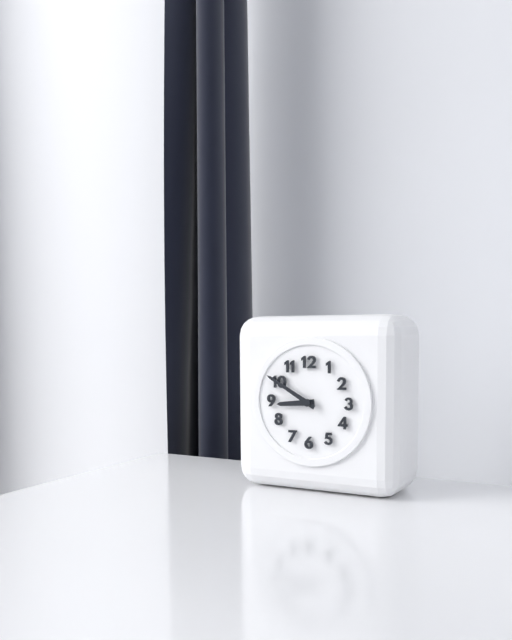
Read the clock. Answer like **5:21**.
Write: **8:50**
